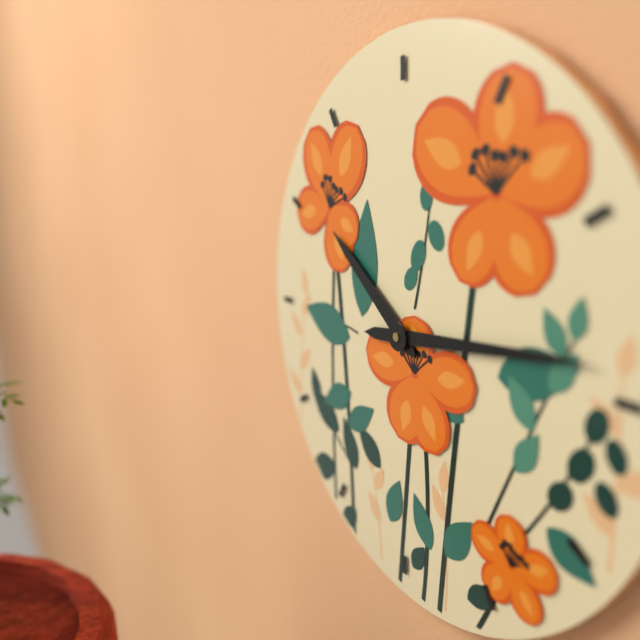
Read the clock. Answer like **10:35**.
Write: **10:14**
